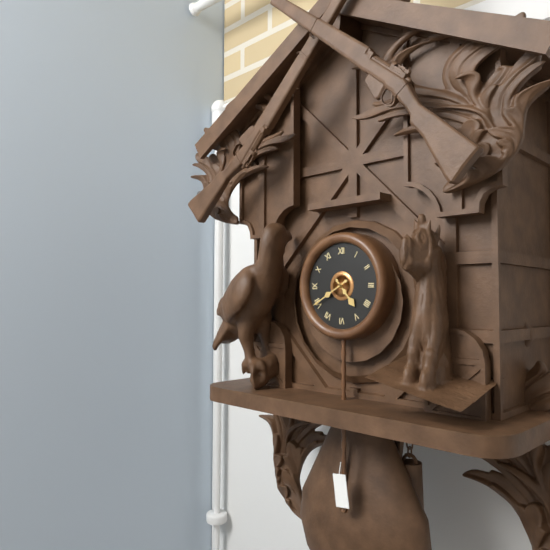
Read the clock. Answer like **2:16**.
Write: **4:40**
